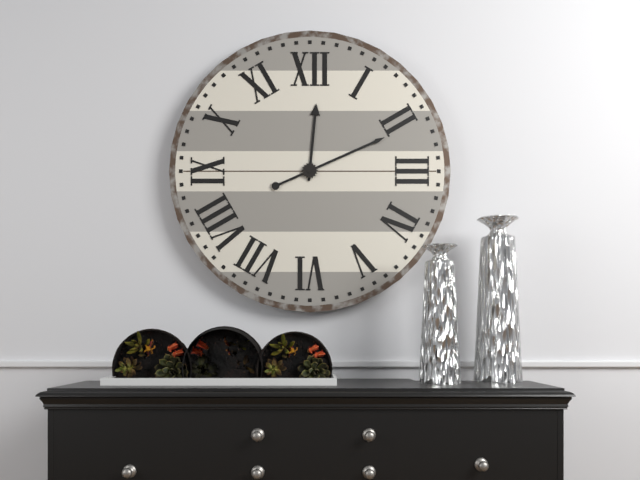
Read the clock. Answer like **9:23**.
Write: **12:11**
